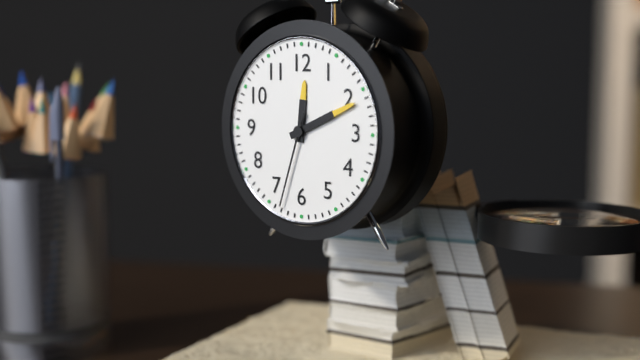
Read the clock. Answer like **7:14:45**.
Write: **12:11:33**
